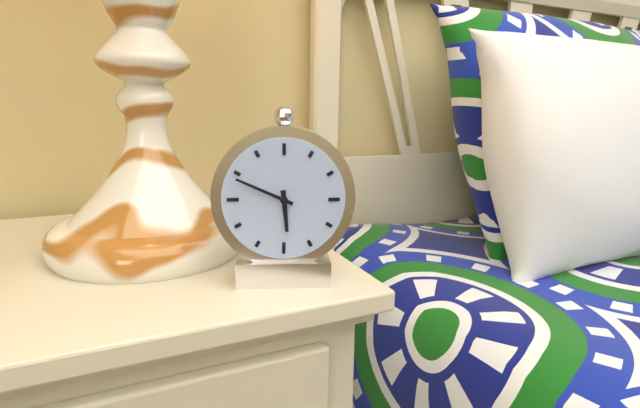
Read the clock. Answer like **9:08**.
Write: **5:49**
